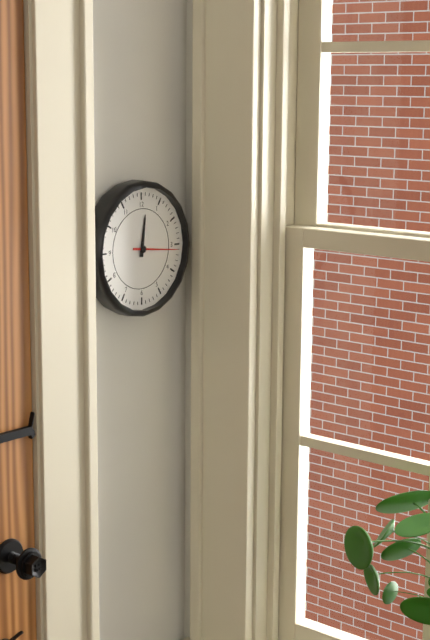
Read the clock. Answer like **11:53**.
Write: **12:16**
